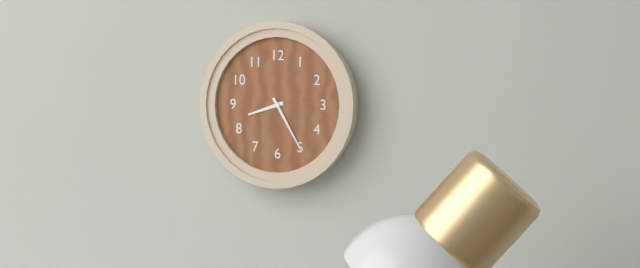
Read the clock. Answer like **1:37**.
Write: **8:25**
